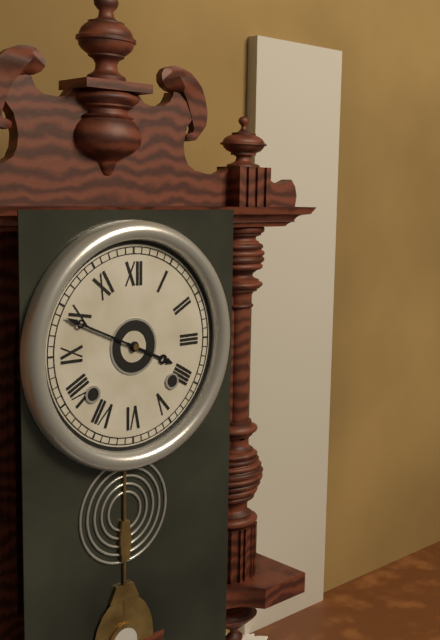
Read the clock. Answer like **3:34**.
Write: **3:49**
